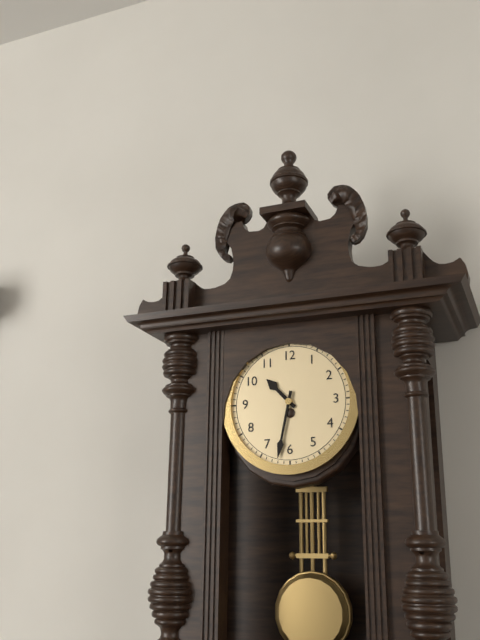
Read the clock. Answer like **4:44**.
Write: **10:32**
